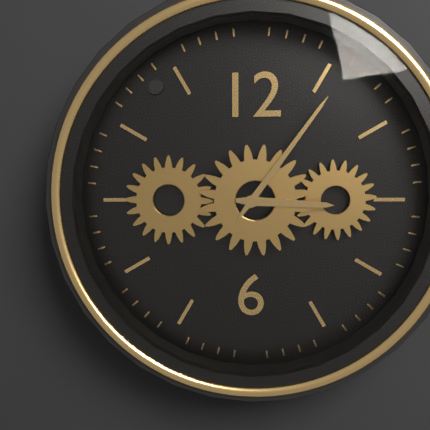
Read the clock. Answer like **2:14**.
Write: **3:06**
